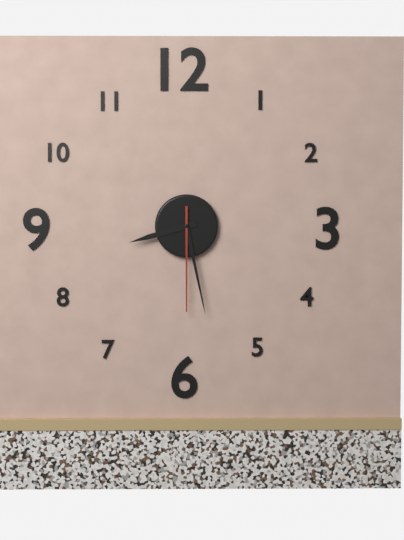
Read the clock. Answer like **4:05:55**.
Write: **8:28:30**
